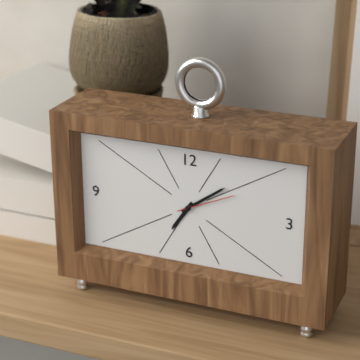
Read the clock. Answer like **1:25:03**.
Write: **7:09:11**
